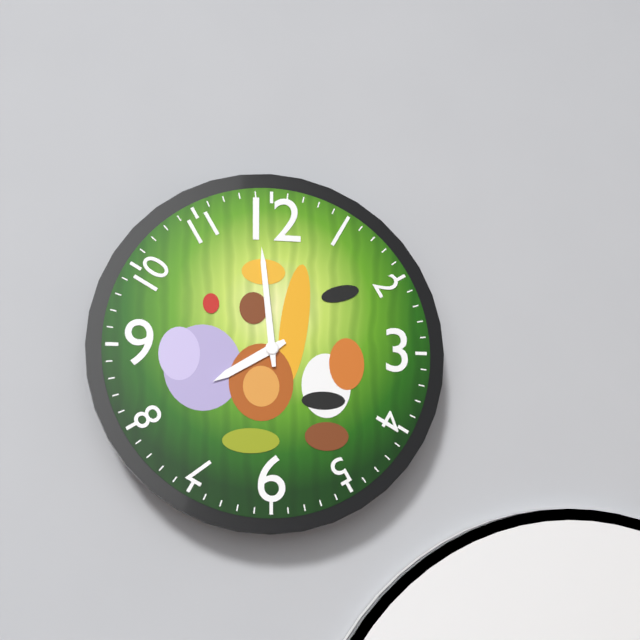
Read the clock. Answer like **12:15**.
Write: **7:59**
